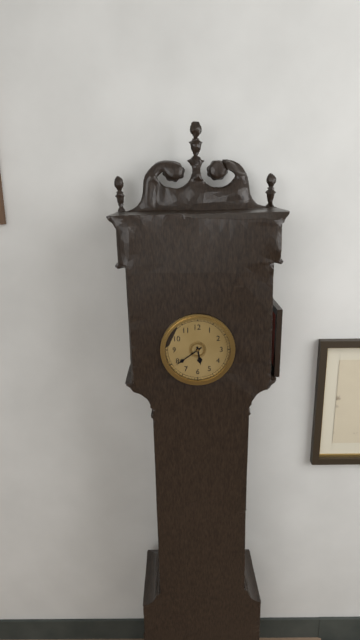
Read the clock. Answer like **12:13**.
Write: **5:39**
